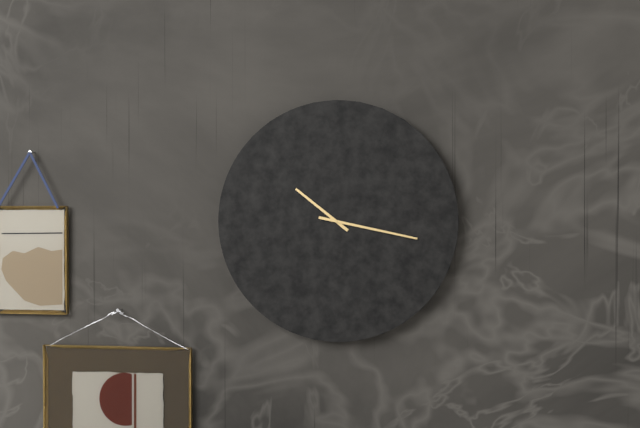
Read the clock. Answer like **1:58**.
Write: **10:17**
